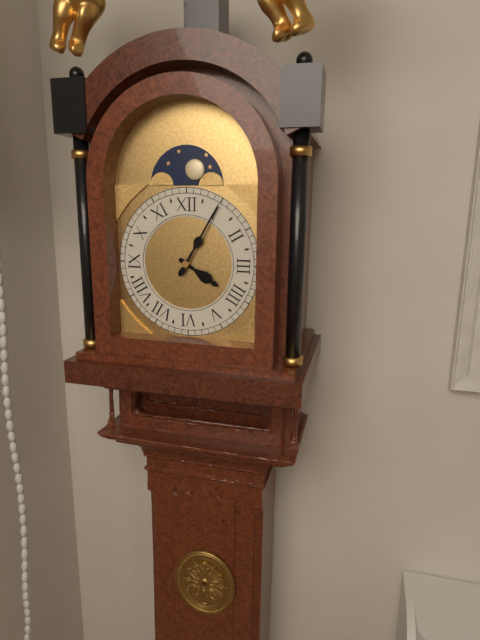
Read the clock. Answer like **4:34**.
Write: **4:05**
